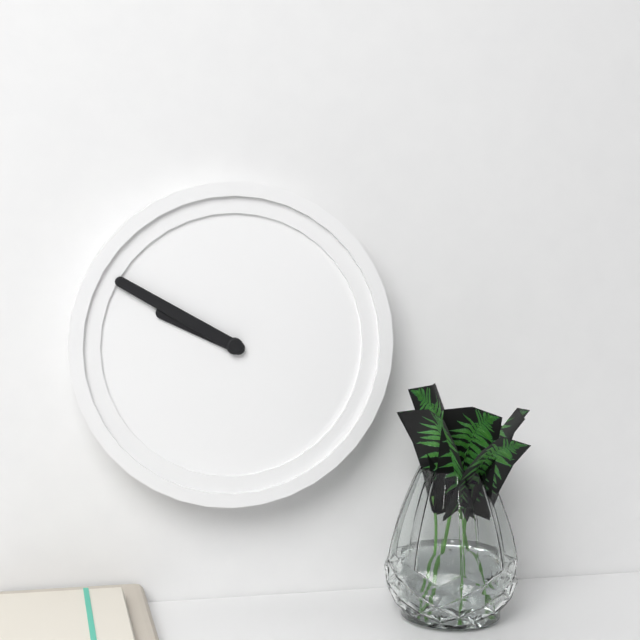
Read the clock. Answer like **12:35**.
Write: **9:50**
